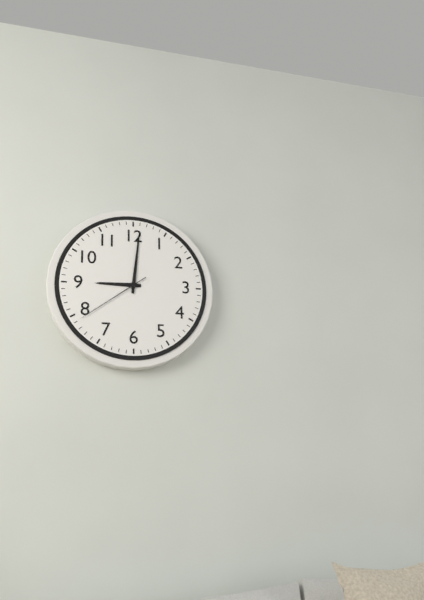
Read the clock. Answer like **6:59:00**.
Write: **9:01:39**
